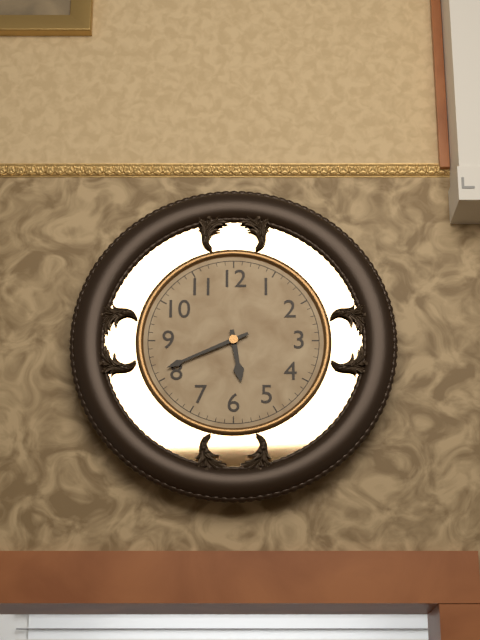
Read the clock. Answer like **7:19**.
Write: **5:41**
